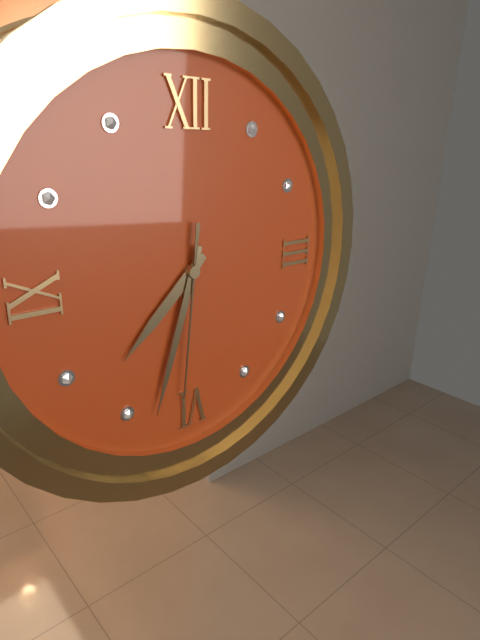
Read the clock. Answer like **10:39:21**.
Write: **7:33:31**
